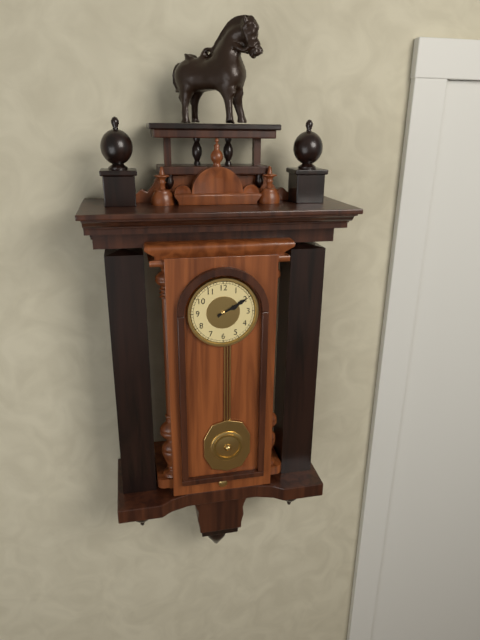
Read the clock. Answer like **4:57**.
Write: **2:10**
